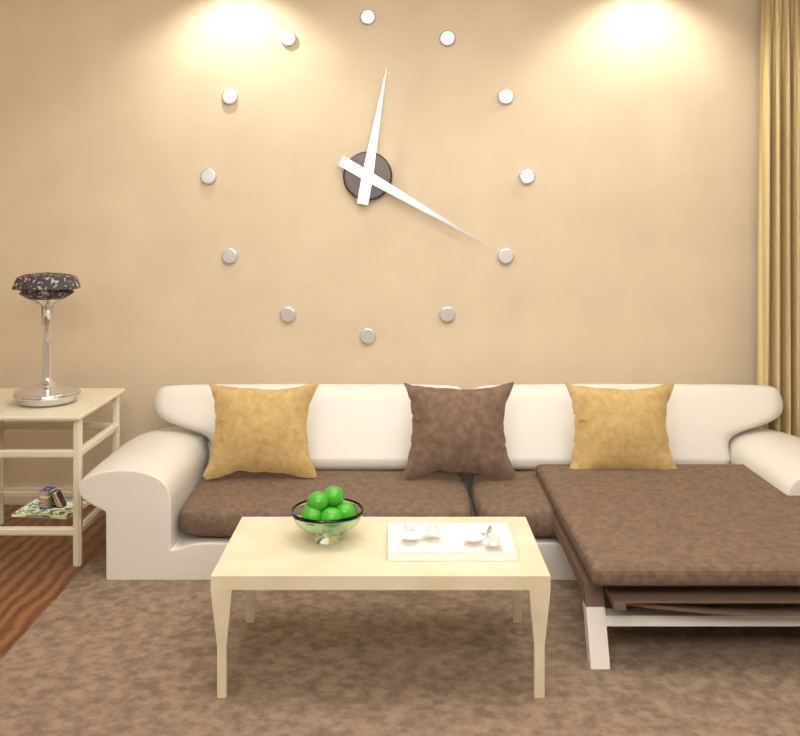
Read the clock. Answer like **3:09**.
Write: **12:20**
